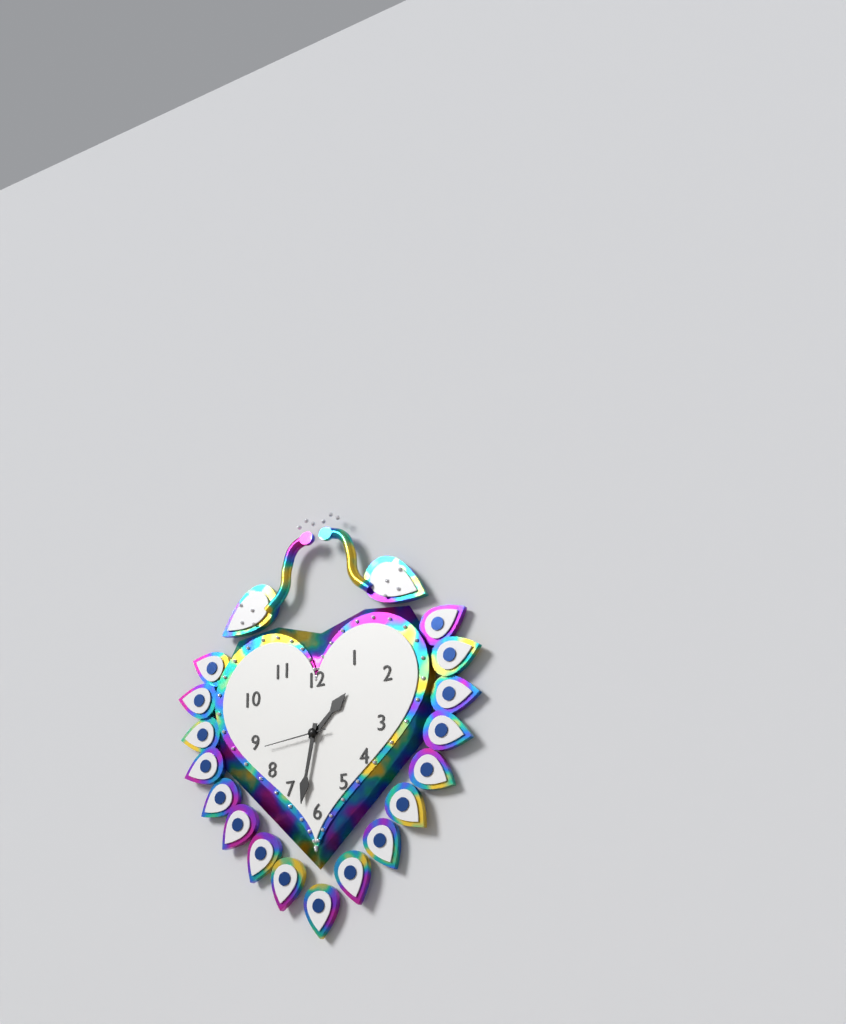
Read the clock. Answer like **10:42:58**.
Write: **1:32:44**
